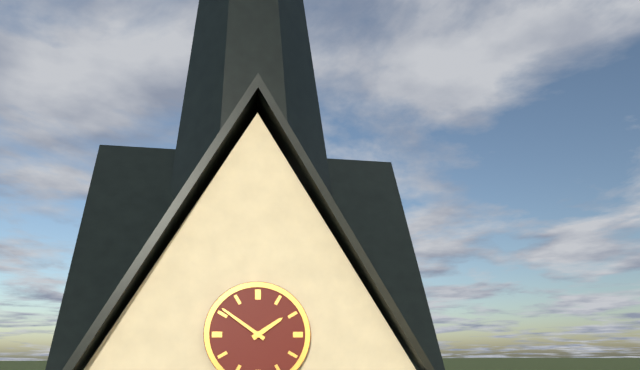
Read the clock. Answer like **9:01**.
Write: **1:51**
